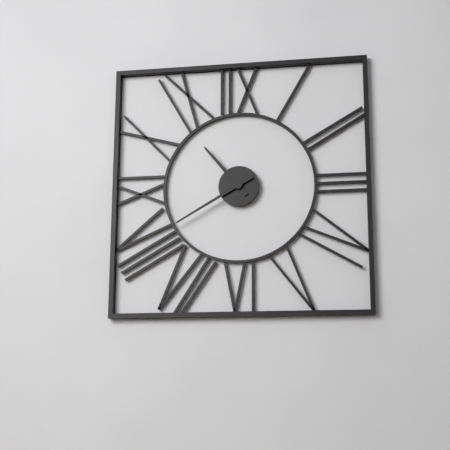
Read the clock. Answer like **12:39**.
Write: **10:40**
